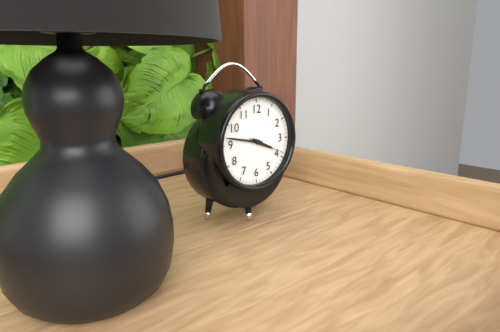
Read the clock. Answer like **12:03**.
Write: **3:47**
